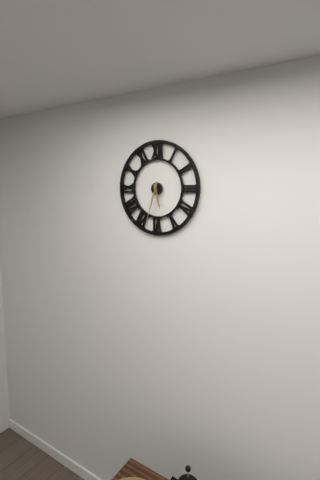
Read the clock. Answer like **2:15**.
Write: **5:33**
